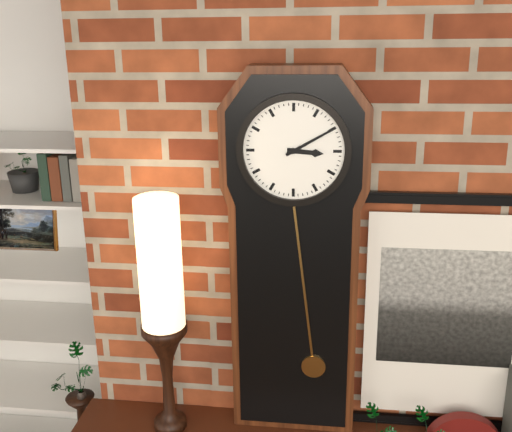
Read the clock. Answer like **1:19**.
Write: **3:10**
